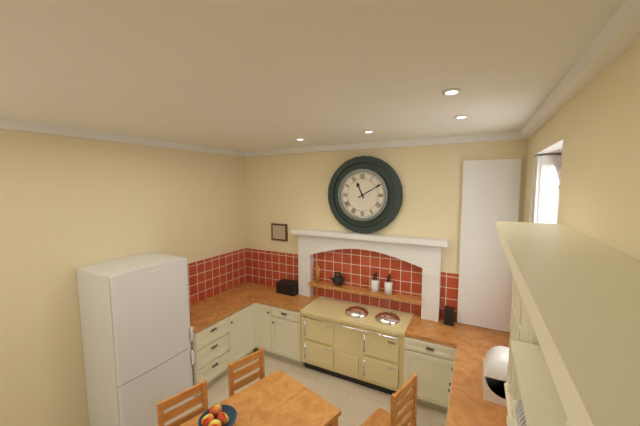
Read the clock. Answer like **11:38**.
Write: **11:10**
